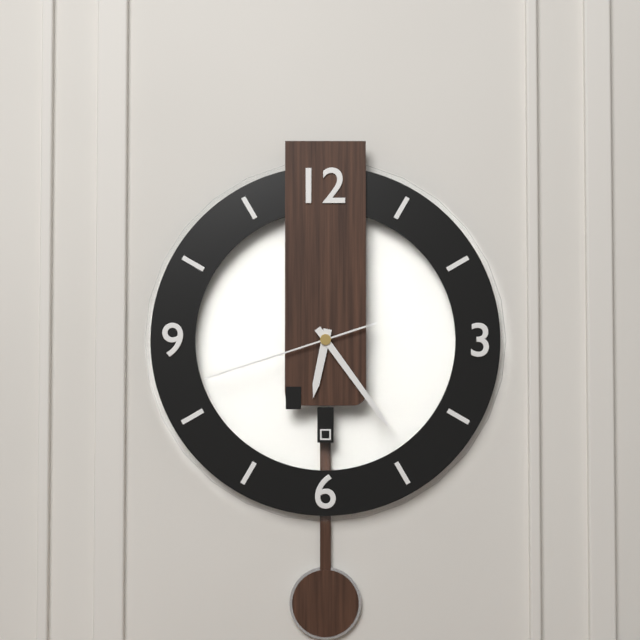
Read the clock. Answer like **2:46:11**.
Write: **6:24:42**
